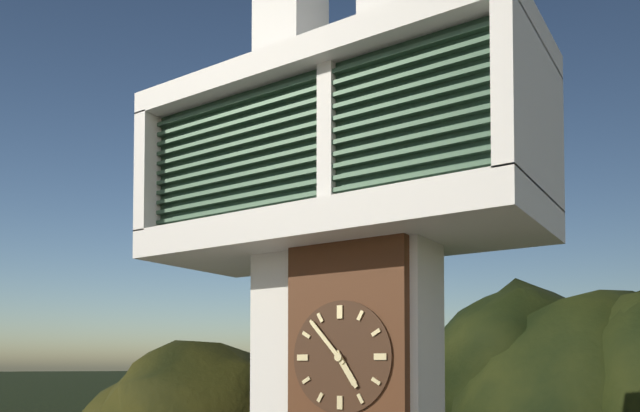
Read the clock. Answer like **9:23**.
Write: **4:53**
